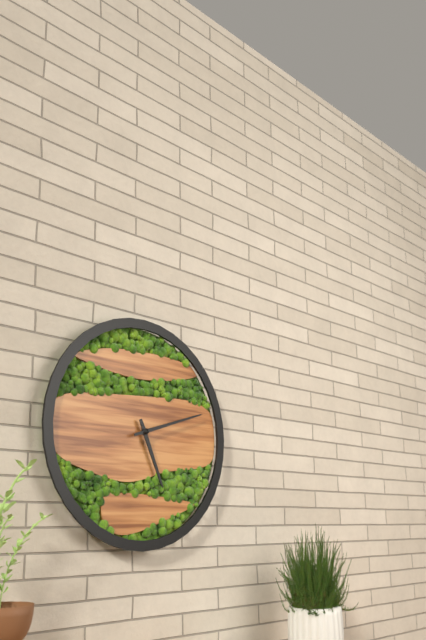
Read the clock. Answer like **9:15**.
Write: **5:12**
